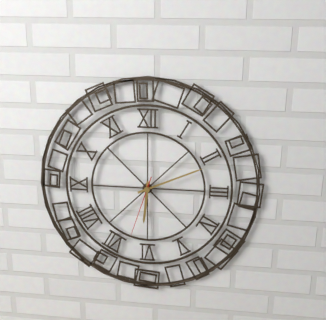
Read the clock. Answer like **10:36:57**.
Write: **6:11:33**
